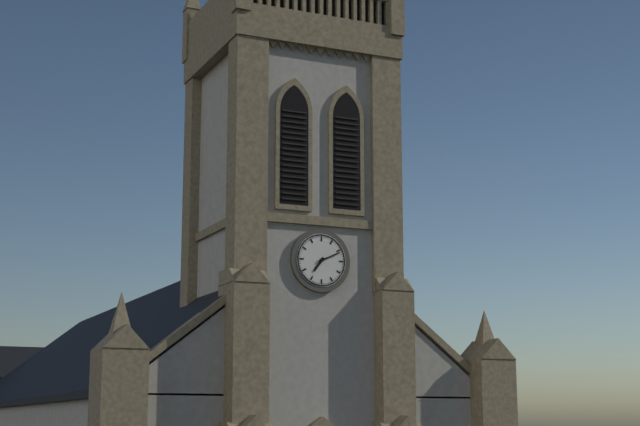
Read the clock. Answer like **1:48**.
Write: **7:11**
